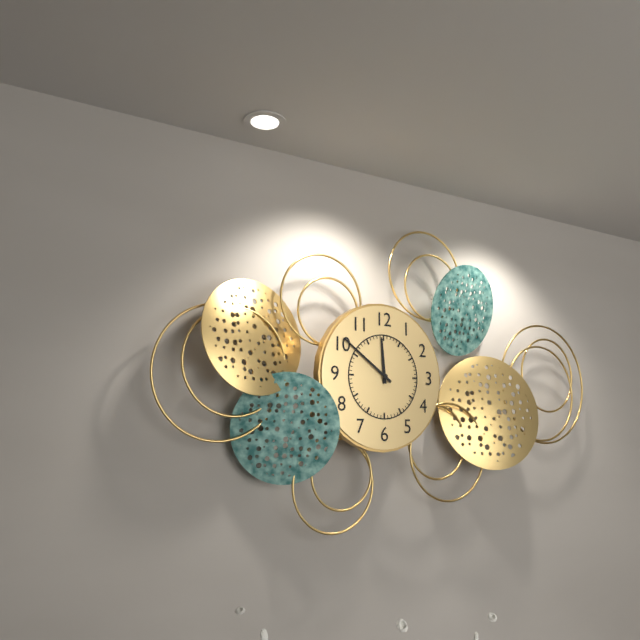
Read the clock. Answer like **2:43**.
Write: **11:51**
